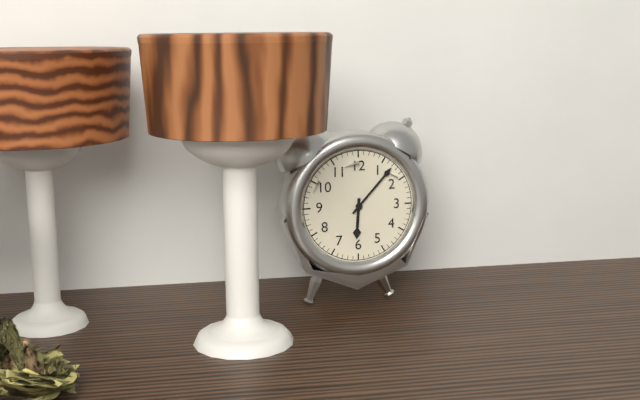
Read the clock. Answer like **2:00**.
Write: **6:07**
